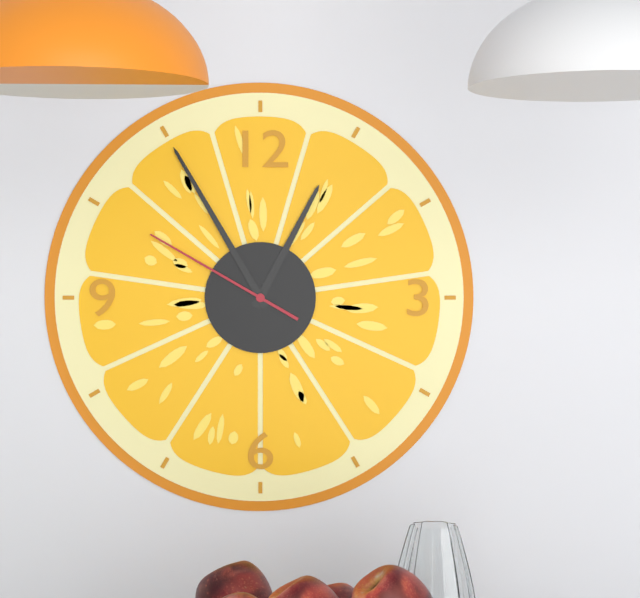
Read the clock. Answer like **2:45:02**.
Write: **12:55:50**
